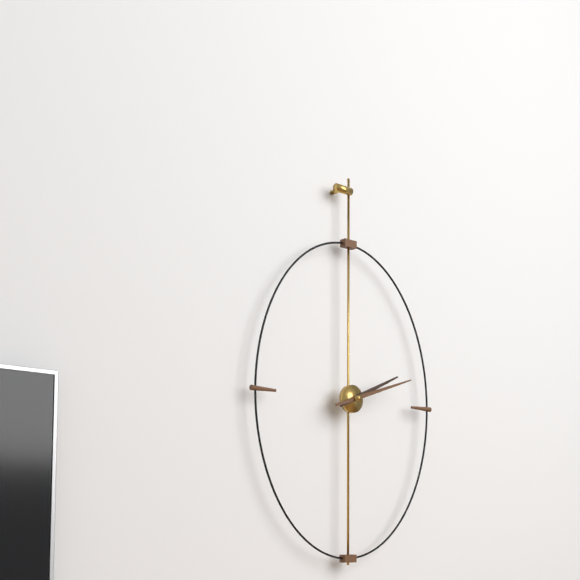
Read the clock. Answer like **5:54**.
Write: **2:12**
